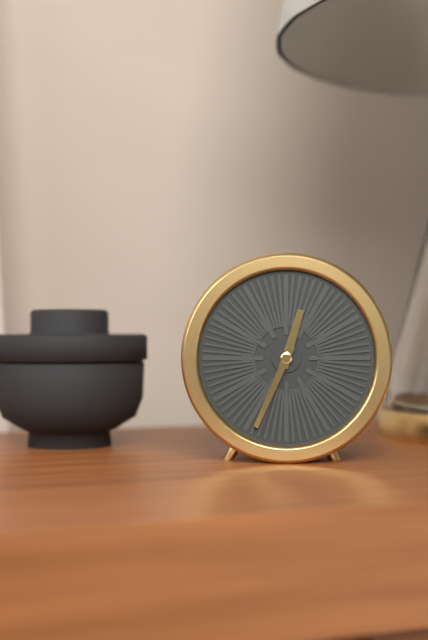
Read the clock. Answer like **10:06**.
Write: **12:34**
